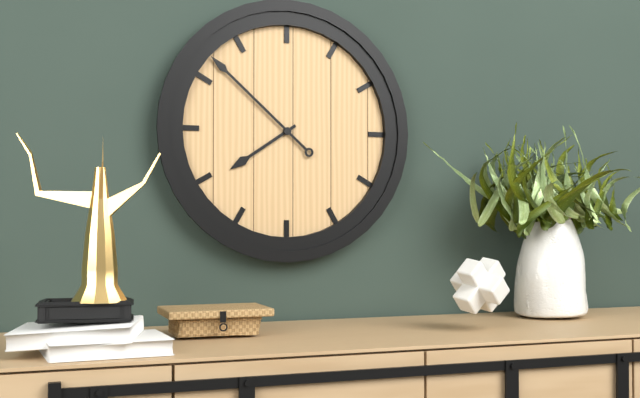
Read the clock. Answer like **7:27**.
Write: **7:52**
